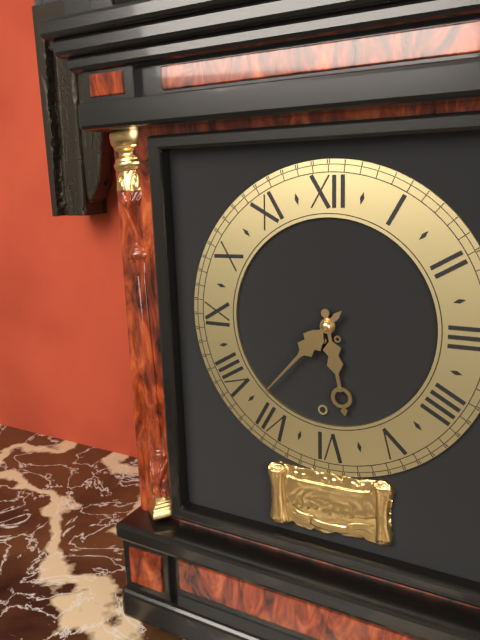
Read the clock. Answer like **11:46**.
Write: **5:37**
